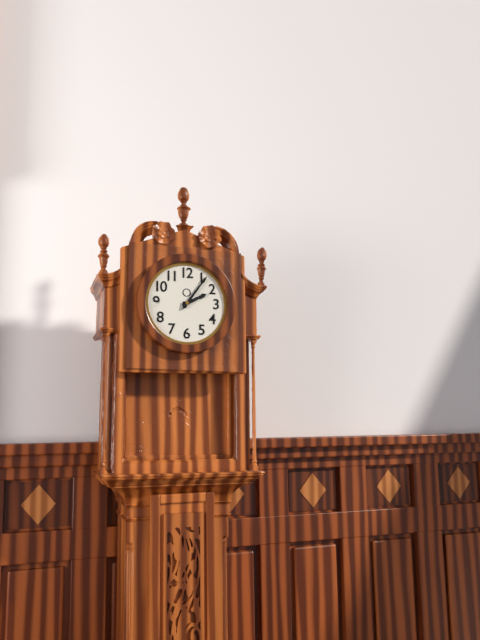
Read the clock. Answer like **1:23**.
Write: **2:06**
